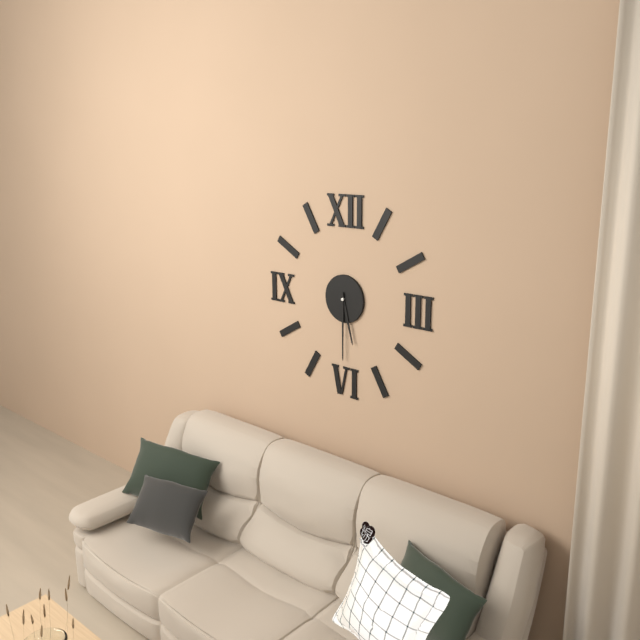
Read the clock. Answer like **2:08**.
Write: **5:30**
